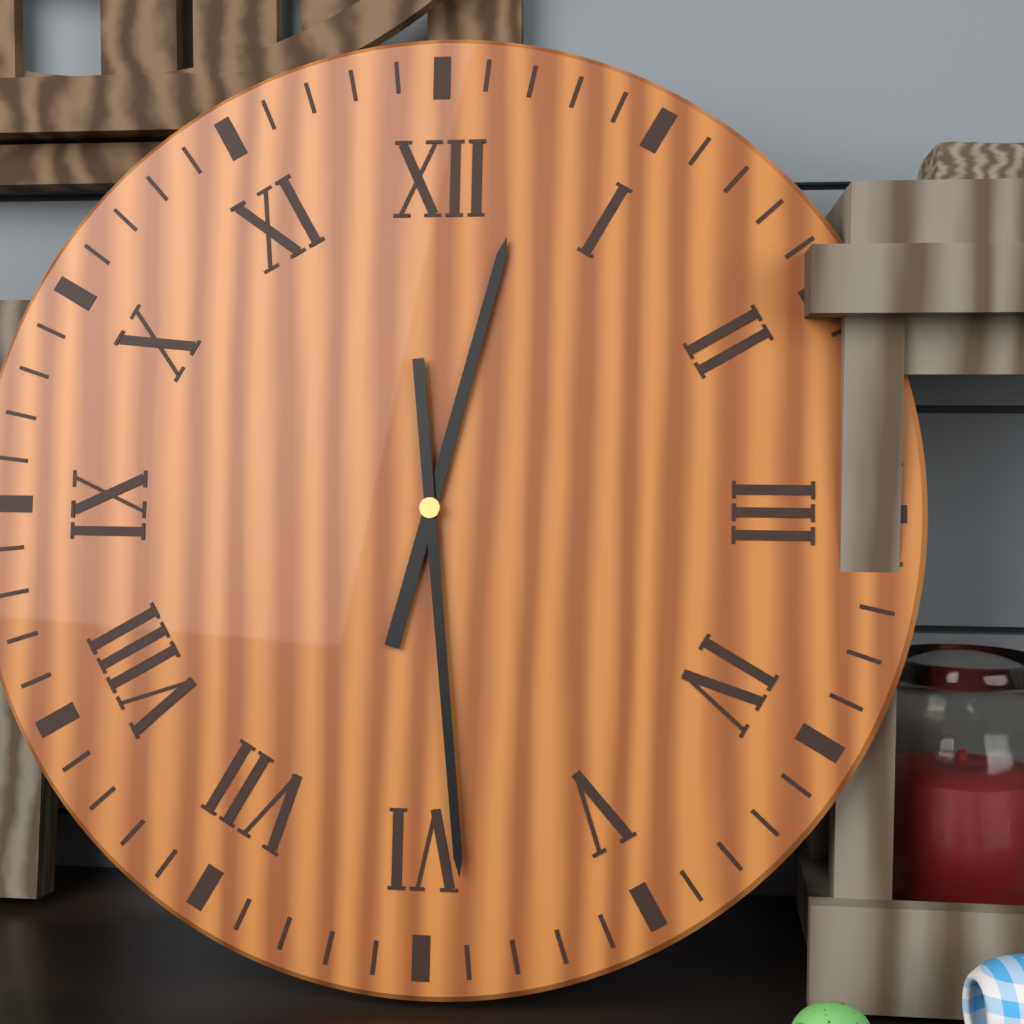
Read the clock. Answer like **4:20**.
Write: **12:29**
